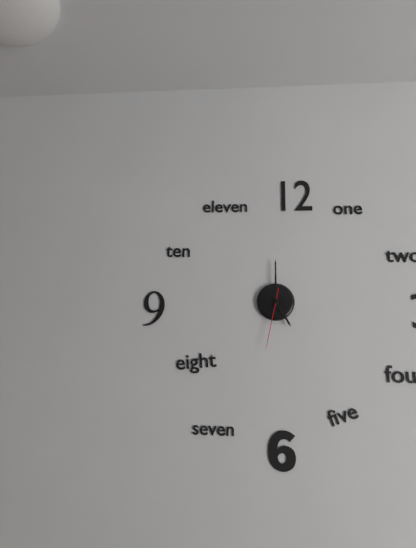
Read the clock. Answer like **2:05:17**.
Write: **5:00:32**
